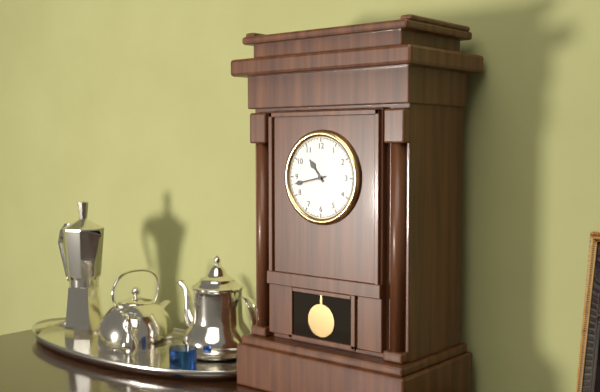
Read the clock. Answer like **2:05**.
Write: **10:43**
